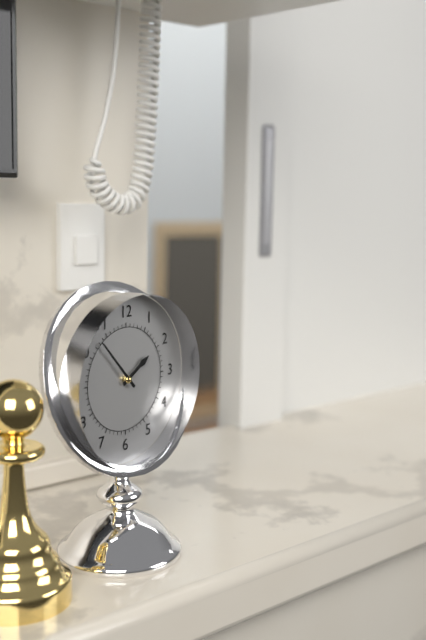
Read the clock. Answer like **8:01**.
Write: **1:53**
